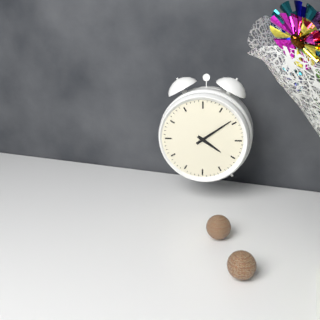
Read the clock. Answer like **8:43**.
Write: **4:09**
